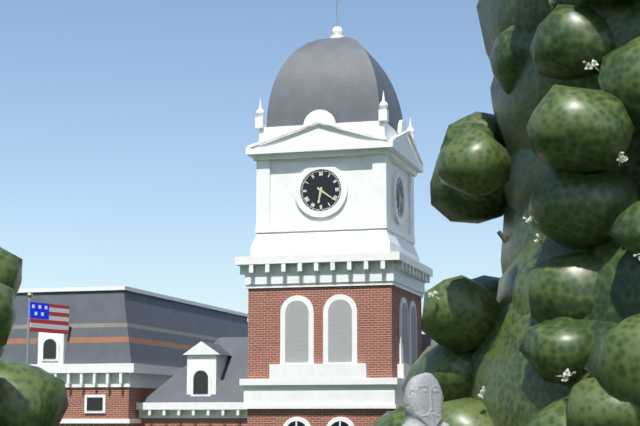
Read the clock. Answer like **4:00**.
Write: **6:21**
